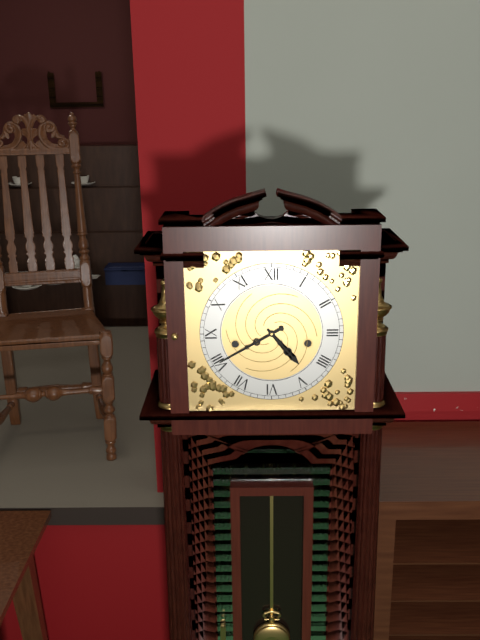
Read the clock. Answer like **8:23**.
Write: **4:40**
